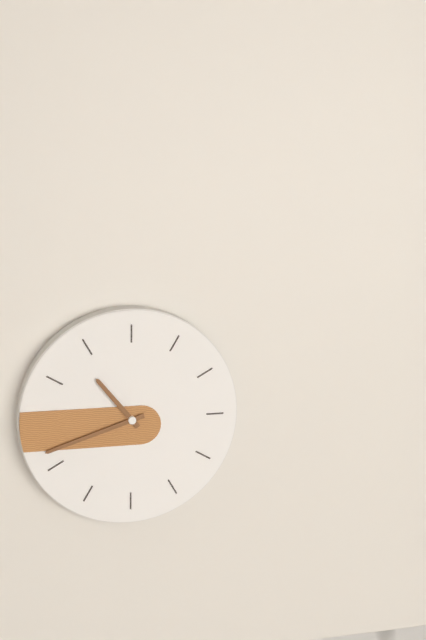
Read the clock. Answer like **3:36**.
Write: **10:42**
